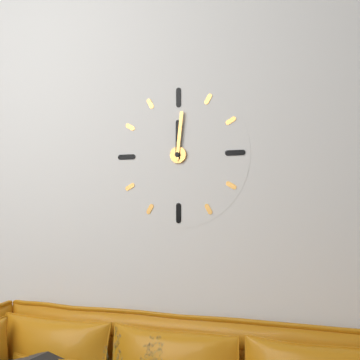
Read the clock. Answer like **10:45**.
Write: **12:01**
